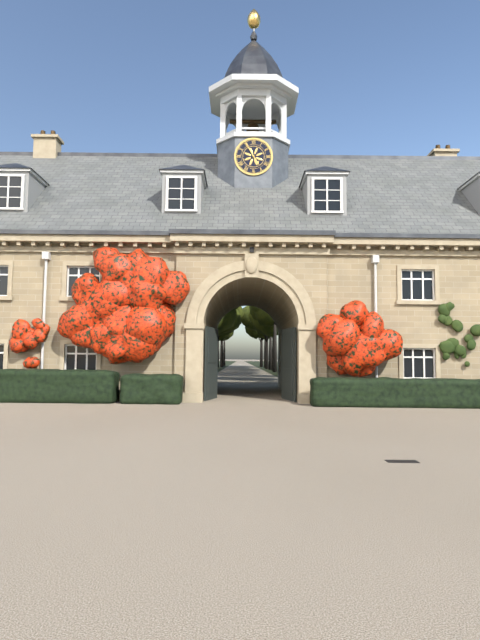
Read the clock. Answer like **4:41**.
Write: **4:55**
